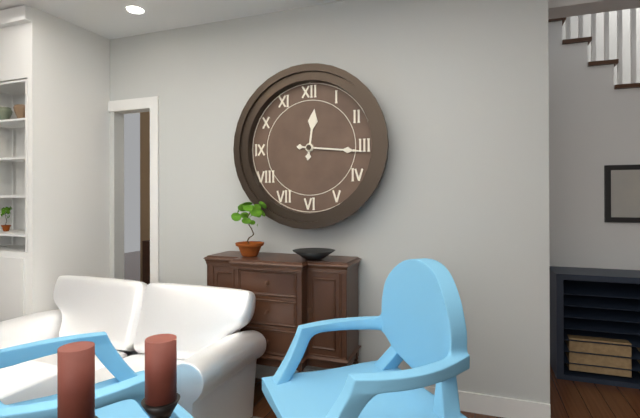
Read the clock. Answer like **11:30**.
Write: **12:16**
